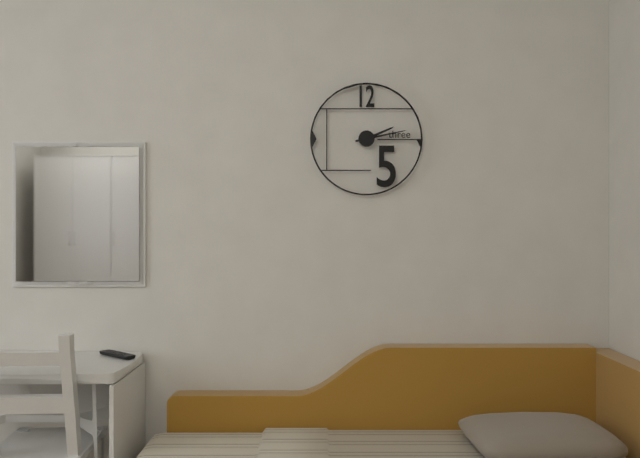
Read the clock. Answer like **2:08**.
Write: **2:13**
